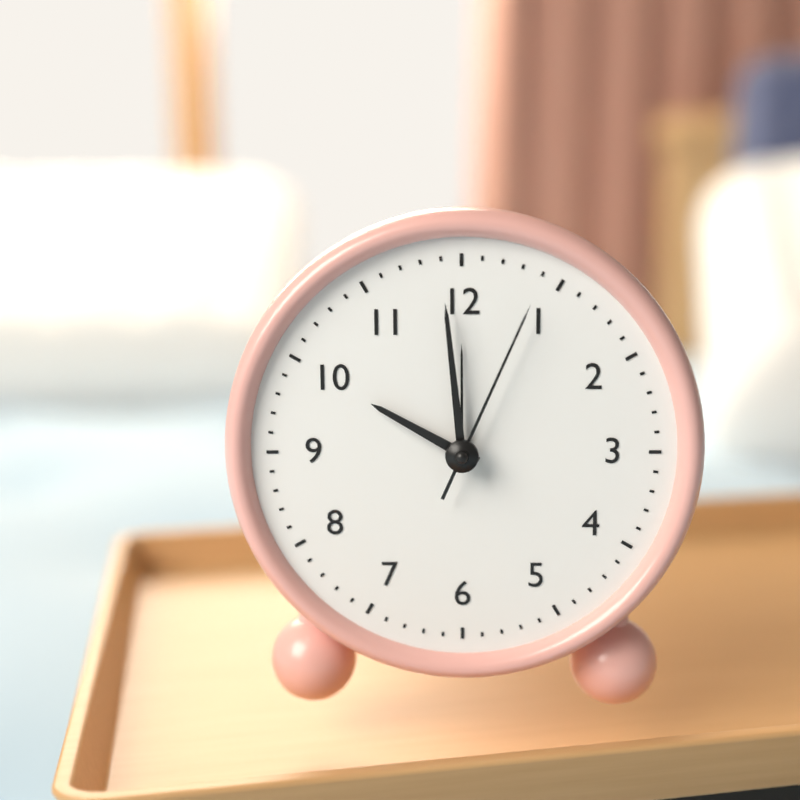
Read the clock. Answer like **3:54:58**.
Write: **9:59:04**
